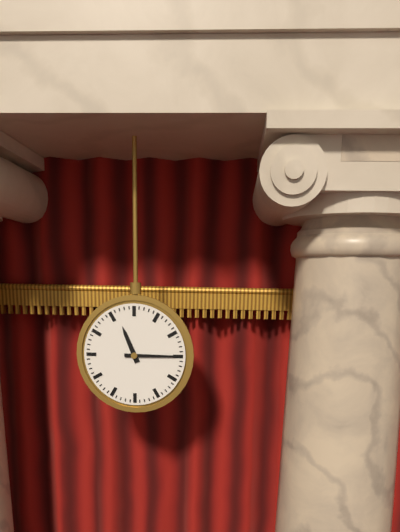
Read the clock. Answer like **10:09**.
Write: **11:15**
